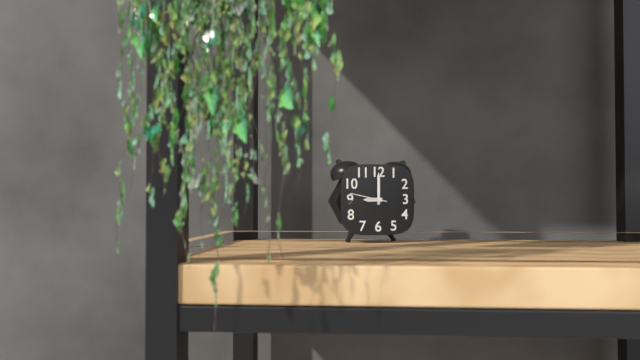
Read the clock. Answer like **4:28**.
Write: **9:00**
